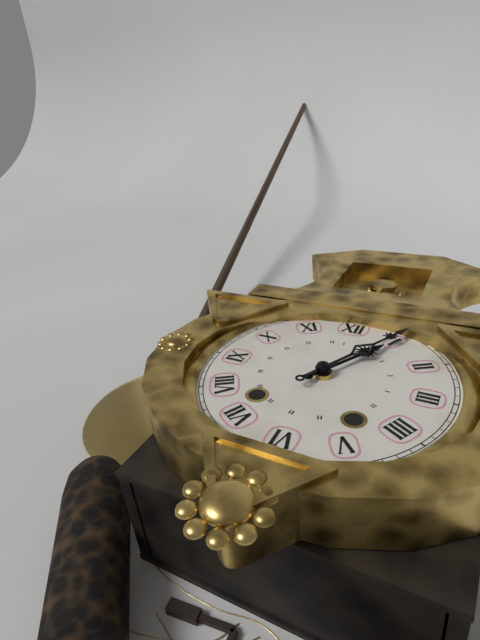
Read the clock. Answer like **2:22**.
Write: **1:05**
